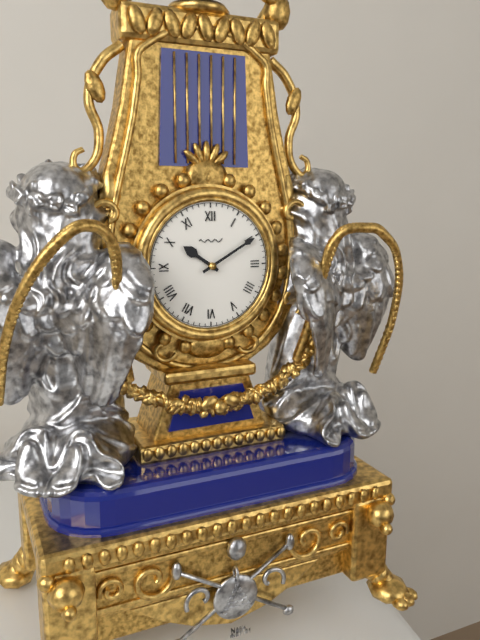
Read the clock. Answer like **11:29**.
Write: **10:10**
